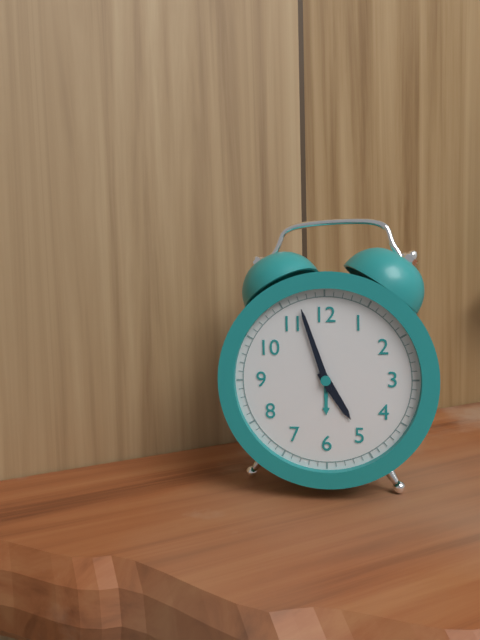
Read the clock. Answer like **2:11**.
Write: **4:57**
